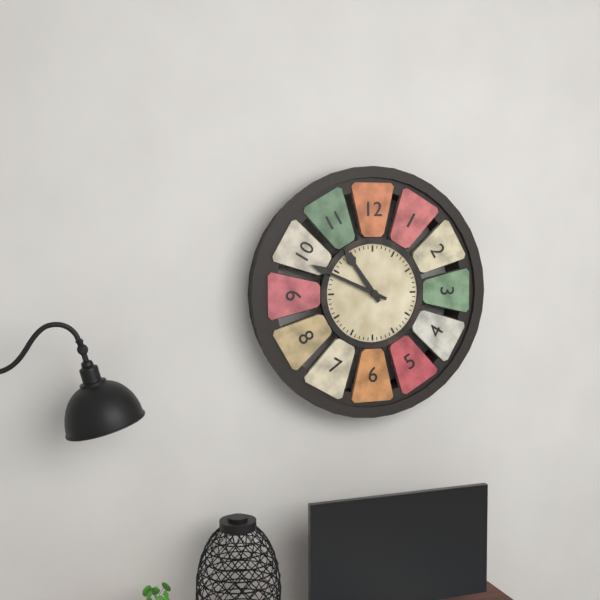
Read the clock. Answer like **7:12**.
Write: **10:49**
